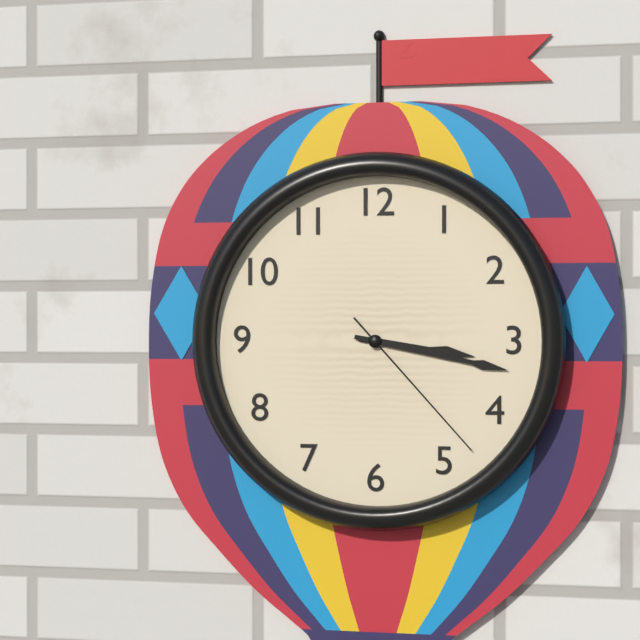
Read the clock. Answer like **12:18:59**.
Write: **3:17:23**
